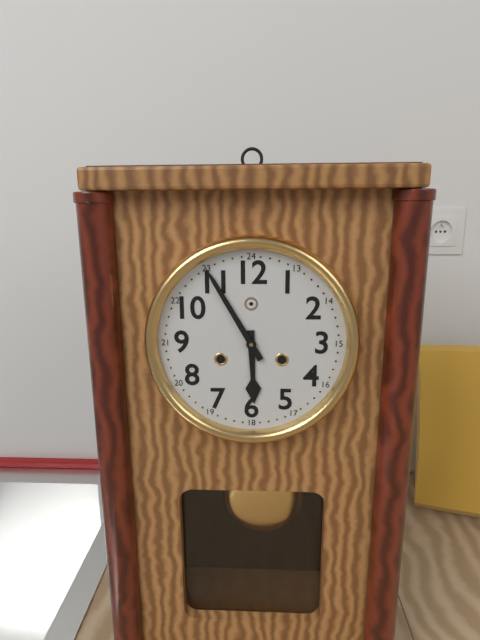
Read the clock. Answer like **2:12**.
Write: **5:55**
